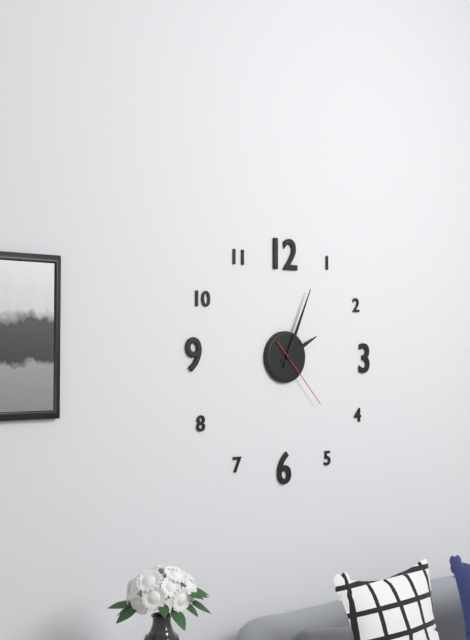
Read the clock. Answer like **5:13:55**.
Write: **2:04:23**
